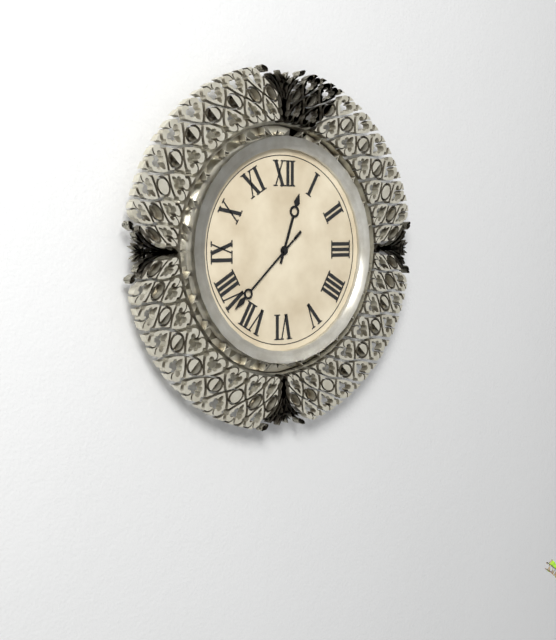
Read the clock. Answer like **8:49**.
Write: **12:38**
